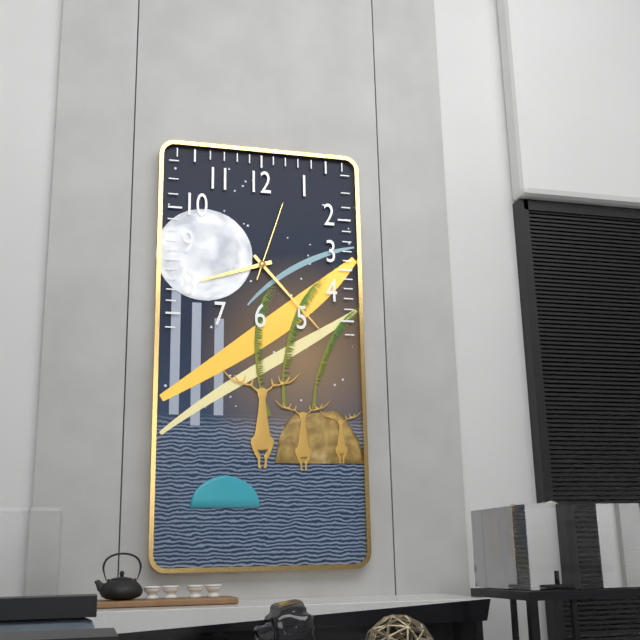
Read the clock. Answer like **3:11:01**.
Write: **8:23:03**
